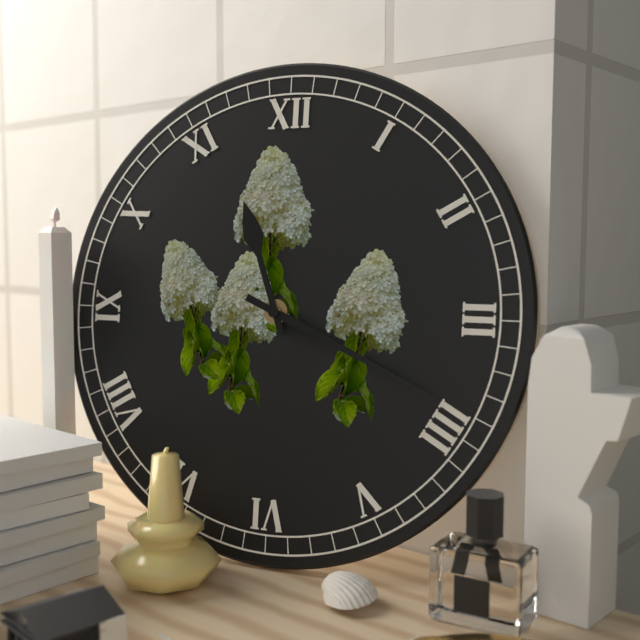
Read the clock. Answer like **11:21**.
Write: **11:19**
